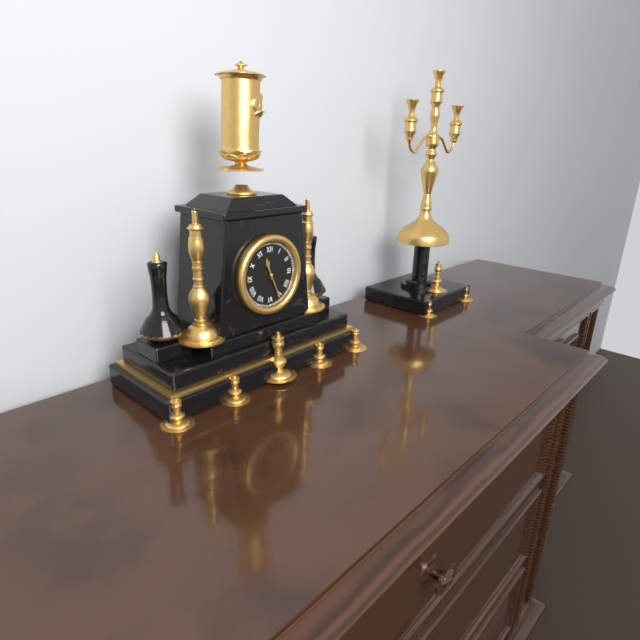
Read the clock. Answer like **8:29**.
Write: **11:26**
